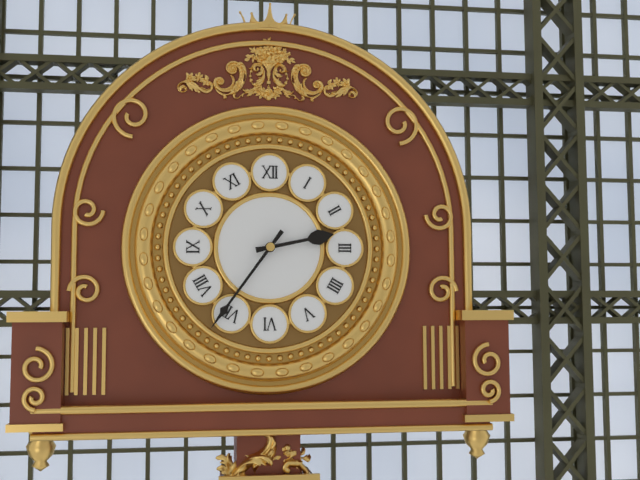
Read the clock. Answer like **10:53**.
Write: **2:36**
